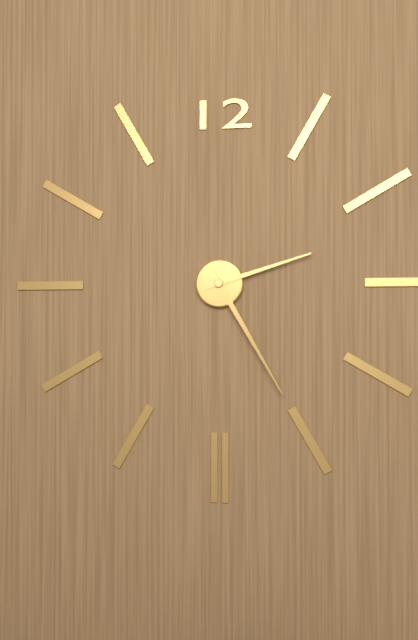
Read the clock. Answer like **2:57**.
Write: **2:25**
